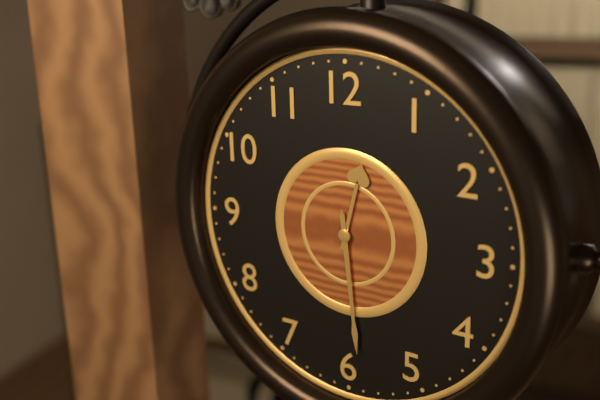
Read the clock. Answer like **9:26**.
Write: **12:29**
